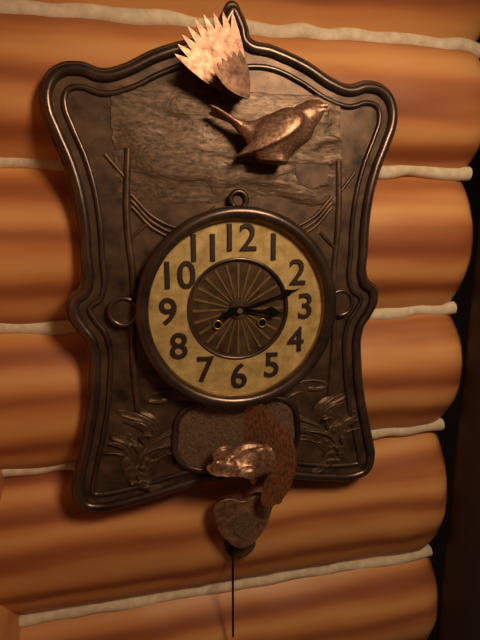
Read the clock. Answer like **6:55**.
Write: **3:12**
